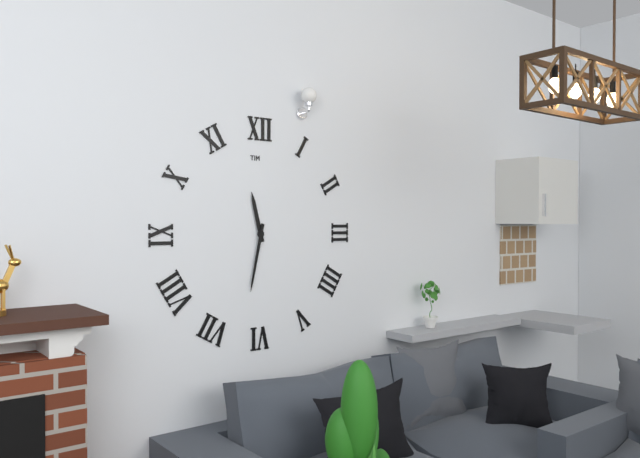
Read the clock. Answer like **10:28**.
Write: **11:32**
